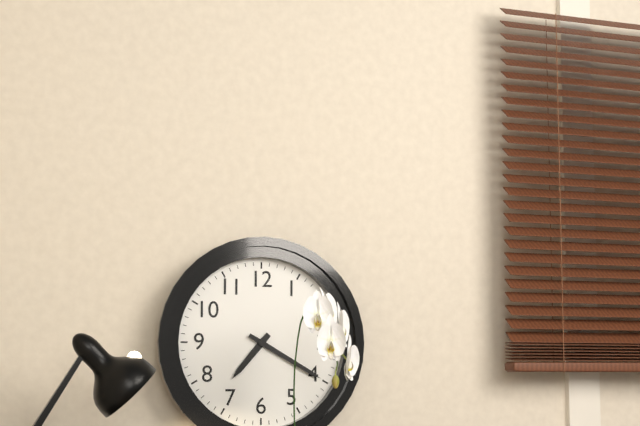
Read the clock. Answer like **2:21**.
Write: **7:20**
